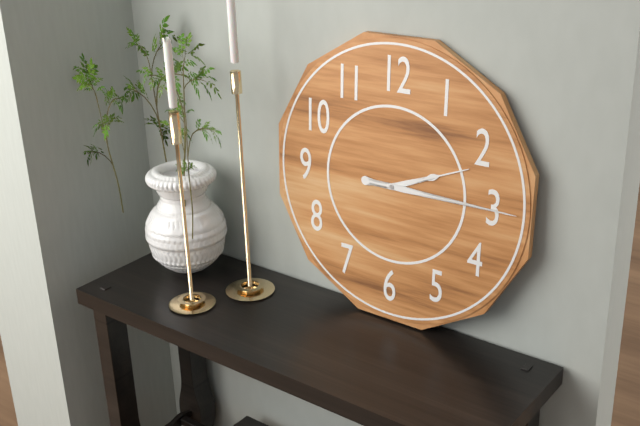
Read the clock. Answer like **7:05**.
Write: **2:15**
